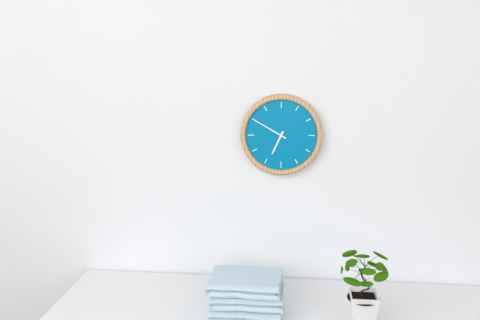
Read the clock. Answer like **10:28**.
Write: **6:50**
